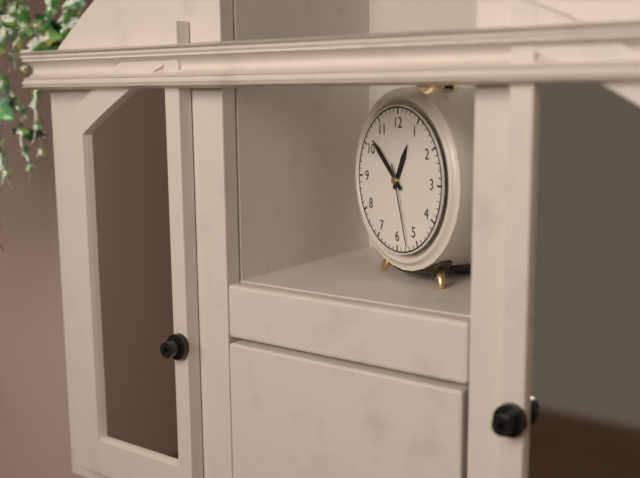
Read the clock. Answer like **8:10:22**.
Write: **12:52:27**
